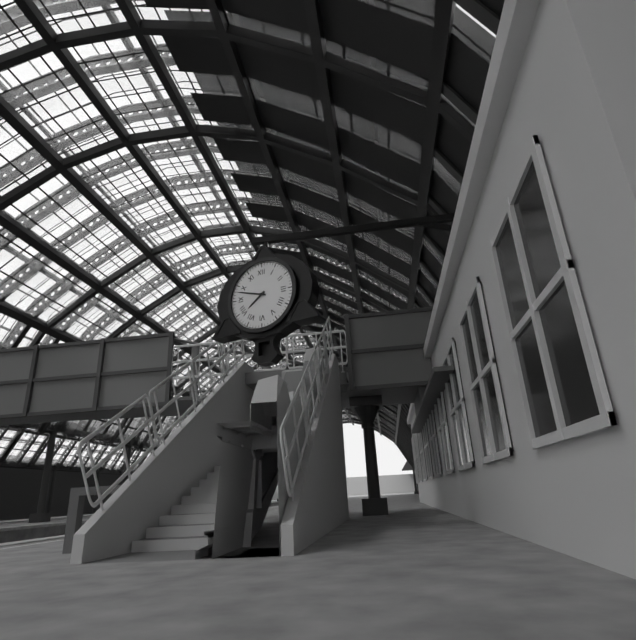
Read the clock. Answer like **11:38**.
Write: **7:48**
